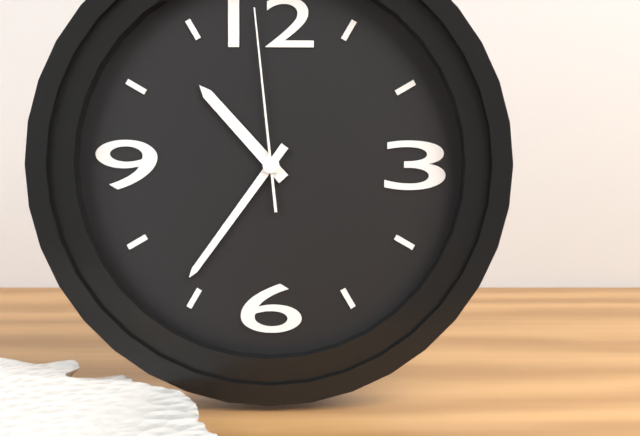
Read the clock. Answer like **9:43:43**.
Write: **10:36:59**
